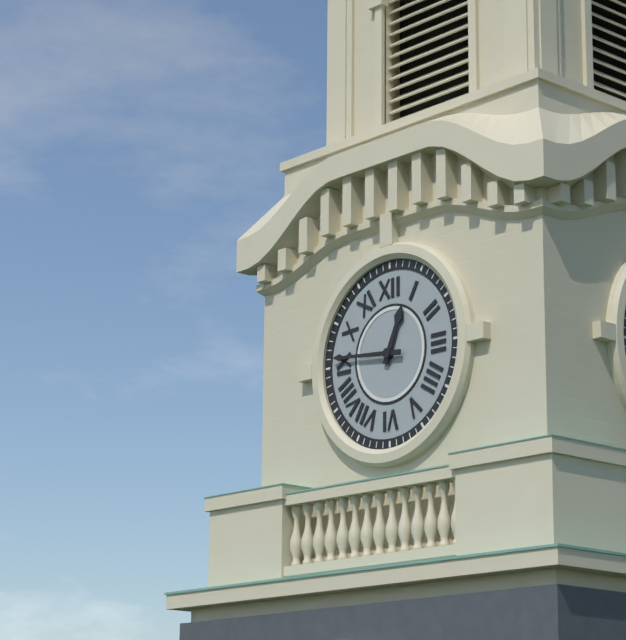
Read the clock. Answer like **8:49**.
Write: **12:46**
